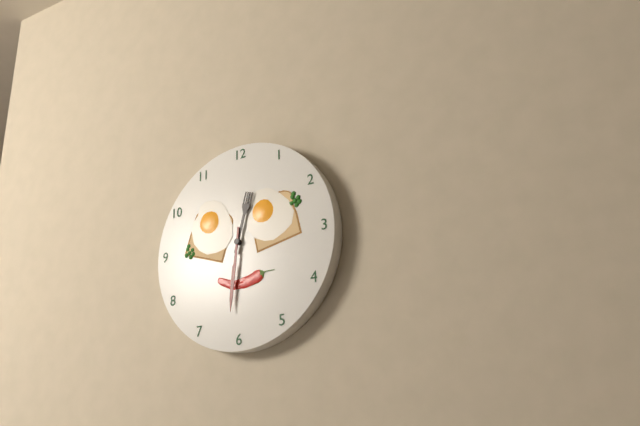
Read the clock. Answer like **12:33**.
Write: **12:31**
